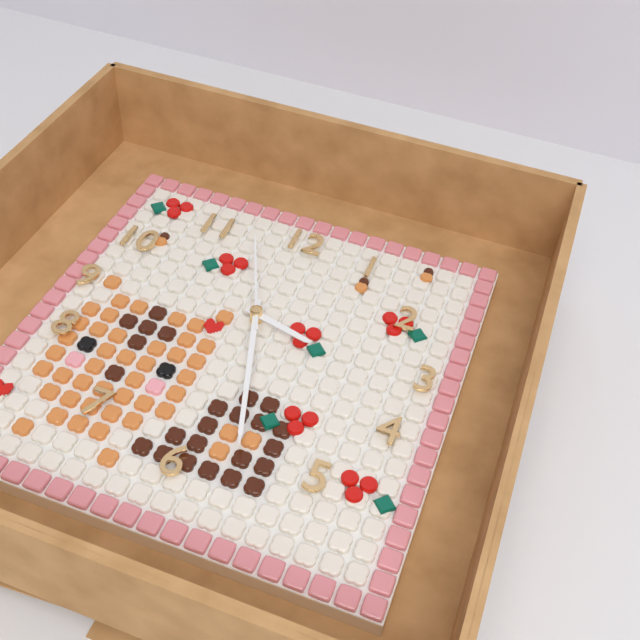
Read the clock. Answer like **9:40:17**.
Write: **3:27:56**
